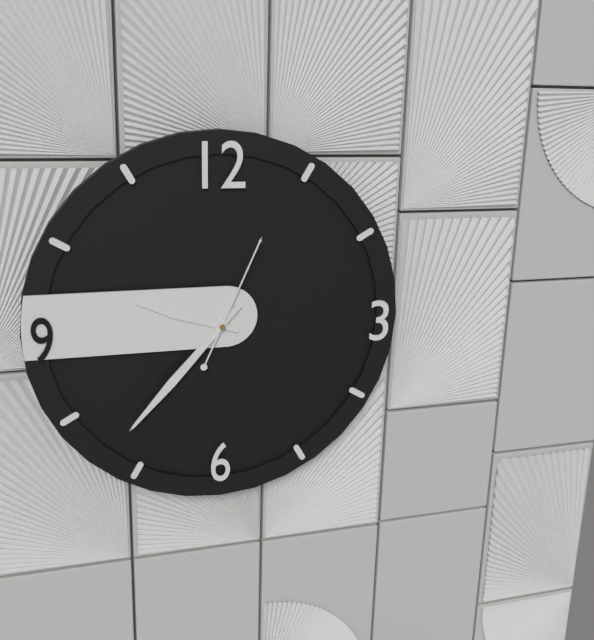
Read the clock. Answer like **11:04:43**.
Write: **9:37:04**
